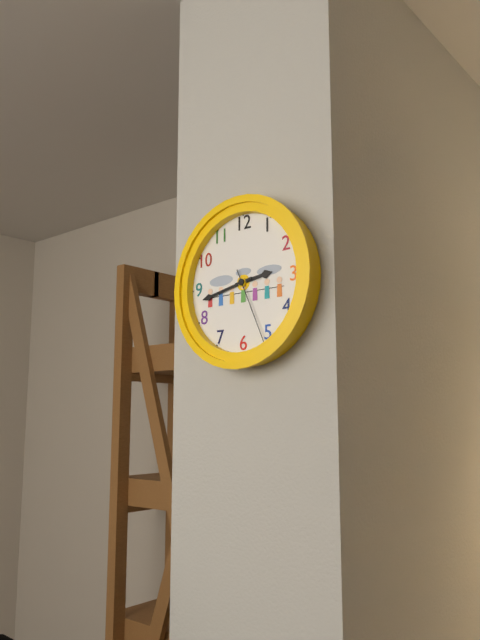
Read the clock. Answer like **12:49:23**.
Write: **2:43:26**
